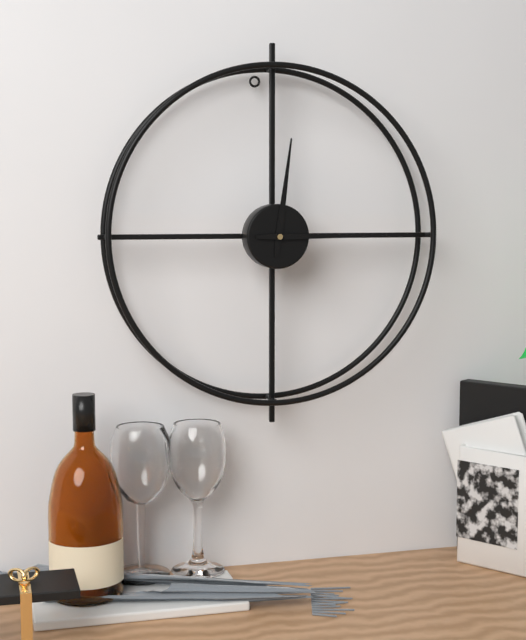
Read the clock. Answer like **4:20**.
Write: **12:15**
